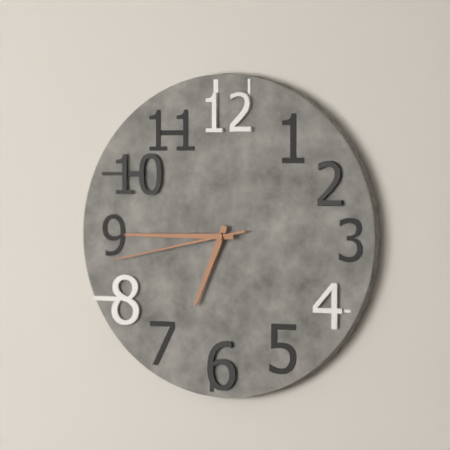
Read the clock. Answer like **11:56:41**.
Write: **6:45:43**
